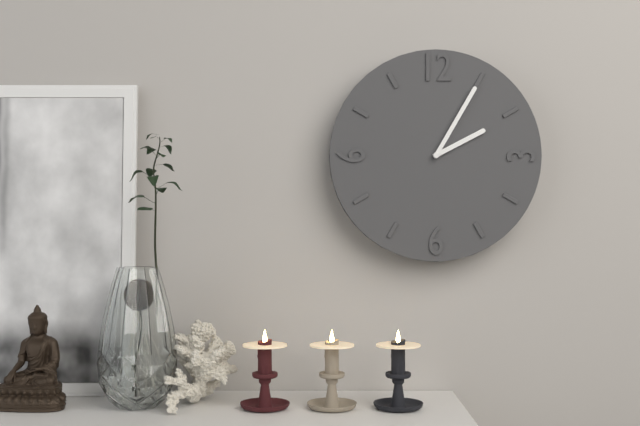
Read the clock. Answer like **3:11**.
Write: **2:05**
